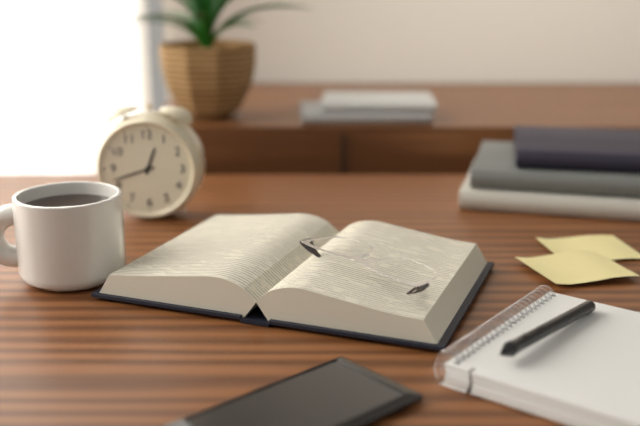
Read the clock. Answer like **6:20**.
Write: **12:42**
